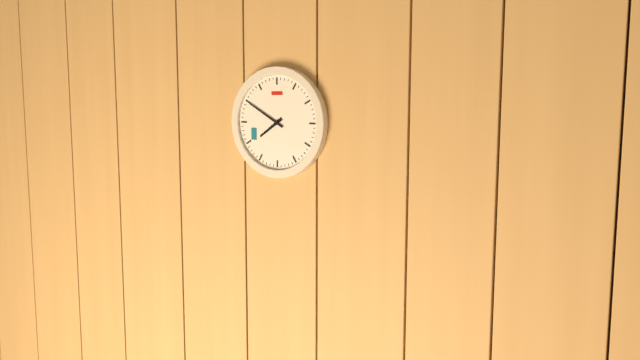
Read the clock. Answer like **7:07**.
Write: **7:50**
